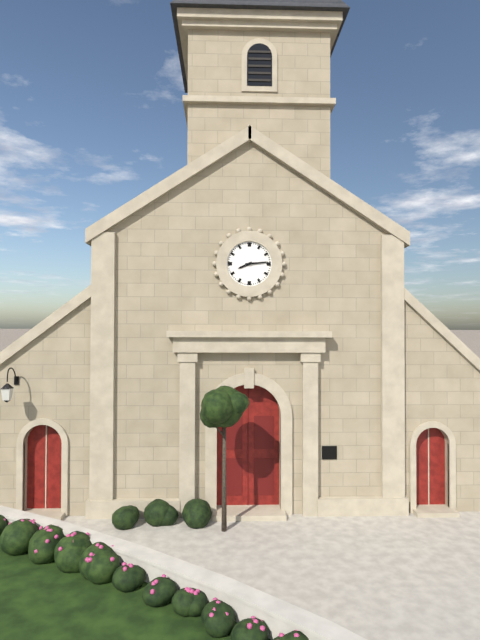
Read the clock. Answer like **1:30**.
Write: **8:14**
